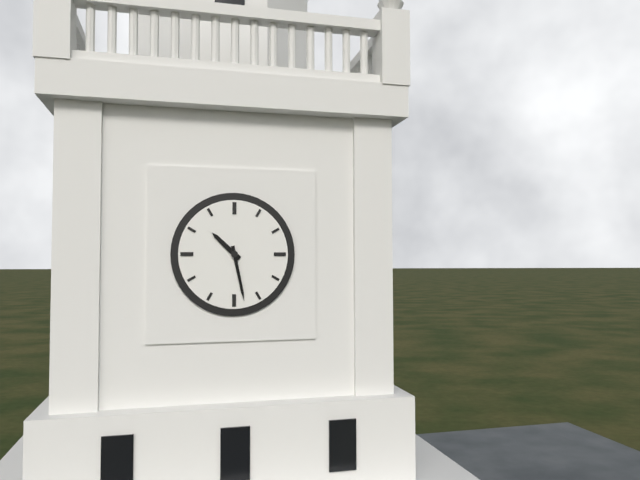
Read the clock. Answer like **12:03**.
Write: **10:28**
